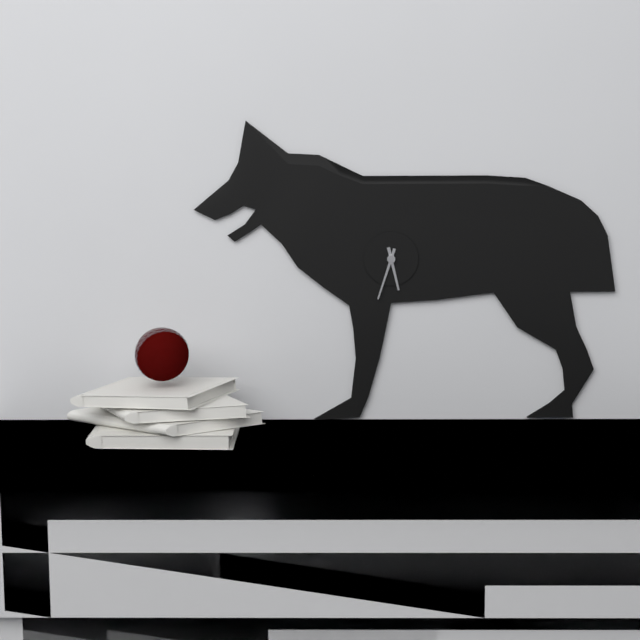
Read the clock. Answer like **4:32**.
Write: **5:33**
